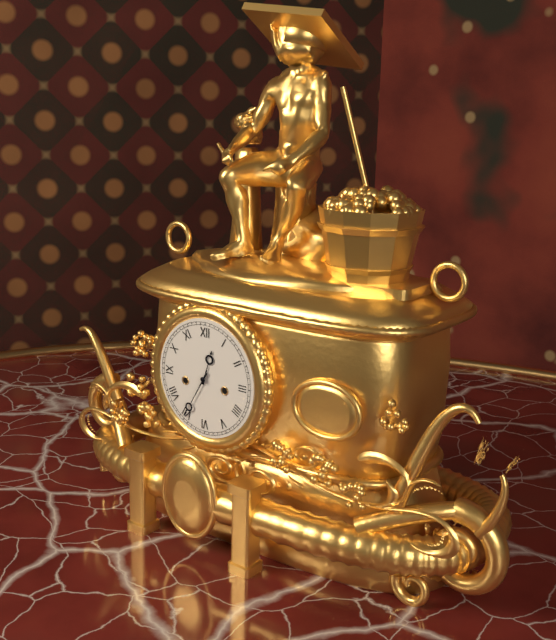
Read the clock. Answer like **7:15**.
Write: **12:35**
